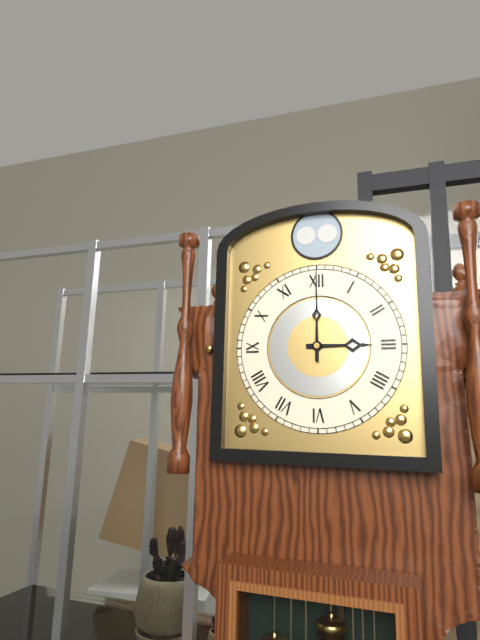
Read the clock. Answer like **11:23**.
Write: **3:00**
